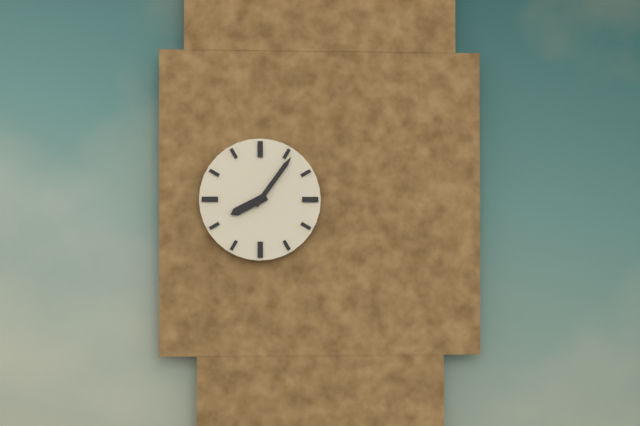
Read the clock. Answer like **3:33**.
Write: **8:06**
